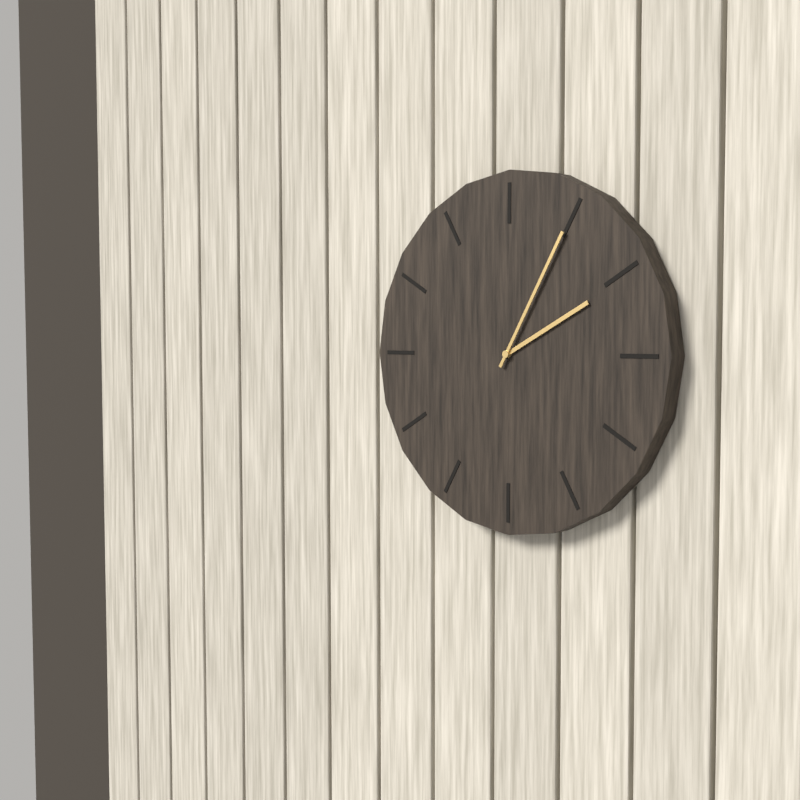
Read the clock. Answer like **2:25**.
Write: **2:05**
